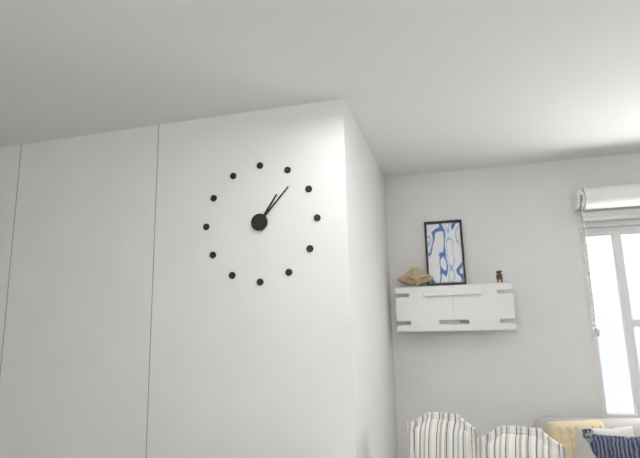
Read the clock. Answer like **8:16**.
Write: **1:07**
